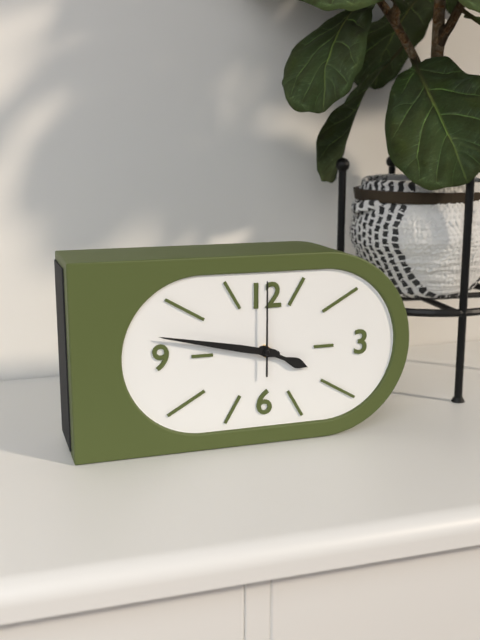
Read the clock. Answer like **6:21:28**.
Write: **3:47:00**
